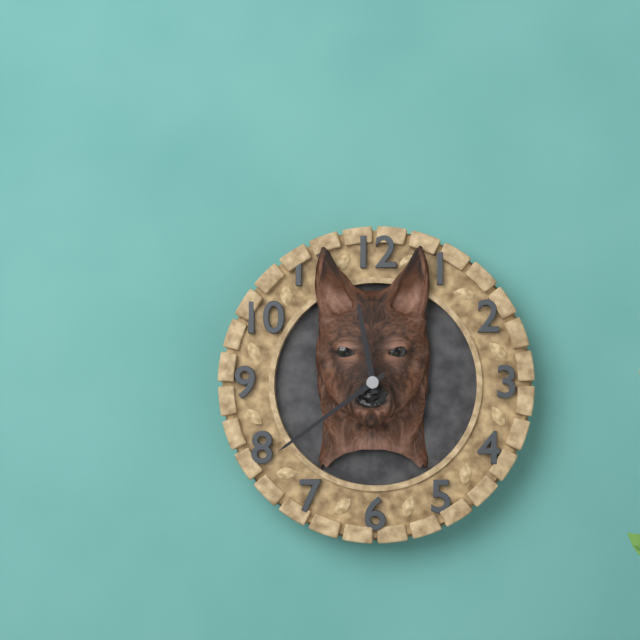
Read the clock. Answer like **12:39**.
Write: **11:39**
